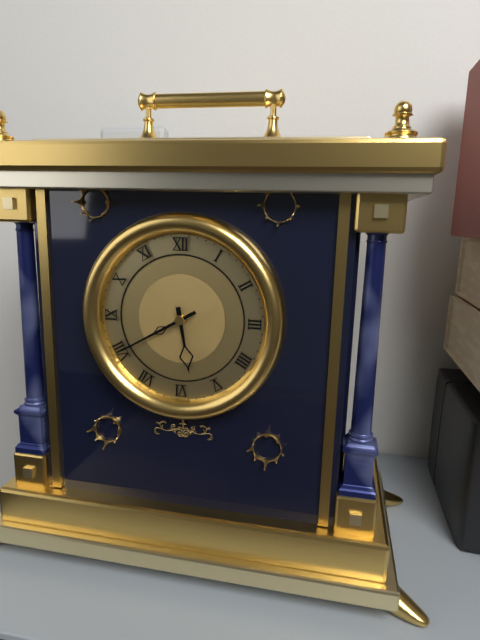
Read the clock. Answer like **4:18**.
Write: **5:40**
